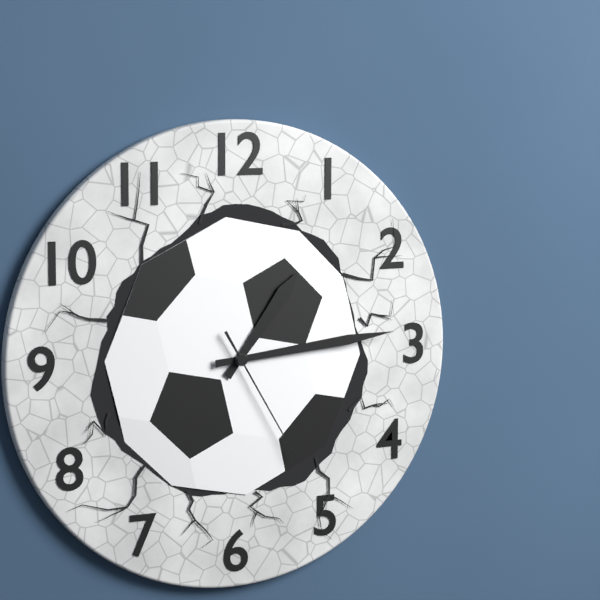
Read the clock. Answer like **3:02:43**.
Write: **1:14:25**
